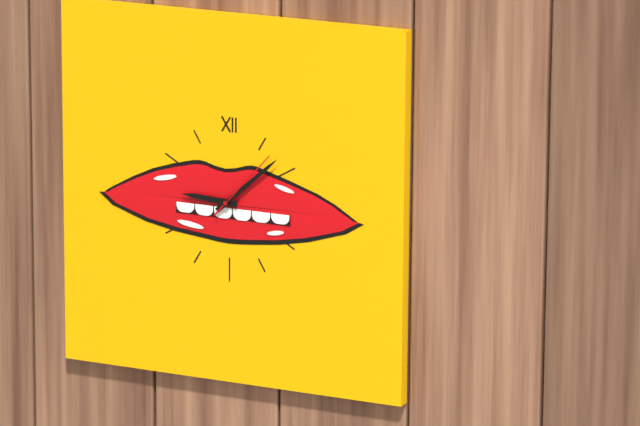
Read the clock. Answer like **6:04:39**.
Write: **9:08:07**
